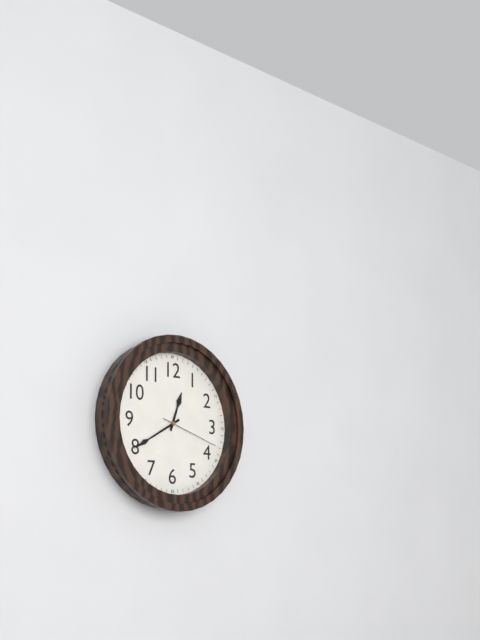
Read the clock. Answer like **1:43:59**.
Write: **12:40:18**
